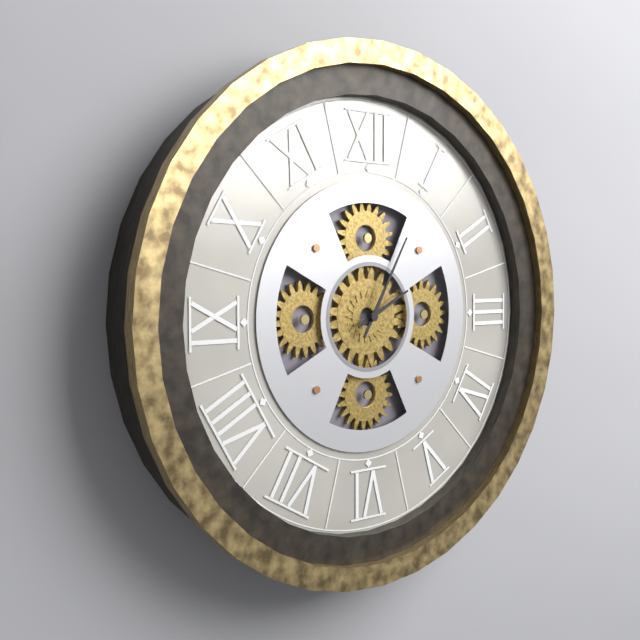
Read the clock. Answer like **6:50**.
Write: **2:05**
